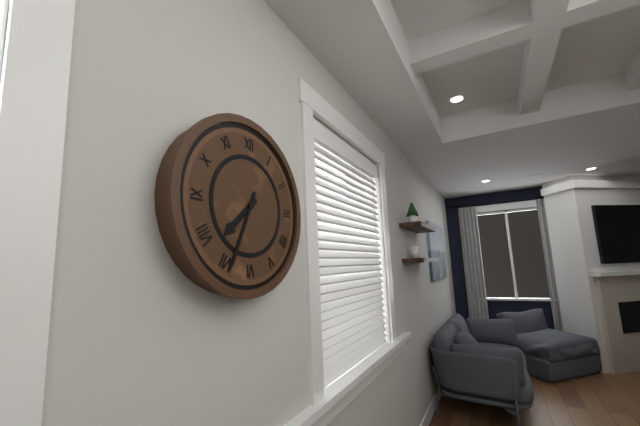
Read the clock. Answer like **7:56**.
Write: **7:34**
